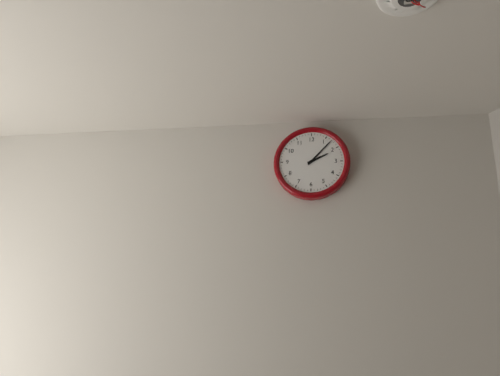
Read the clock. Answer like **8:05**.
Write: **2:07**
